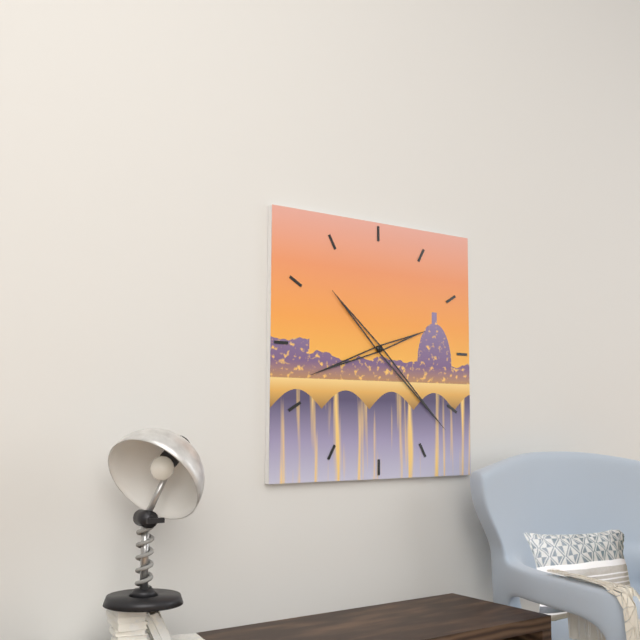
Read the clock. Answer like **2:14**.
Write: **8:22**
